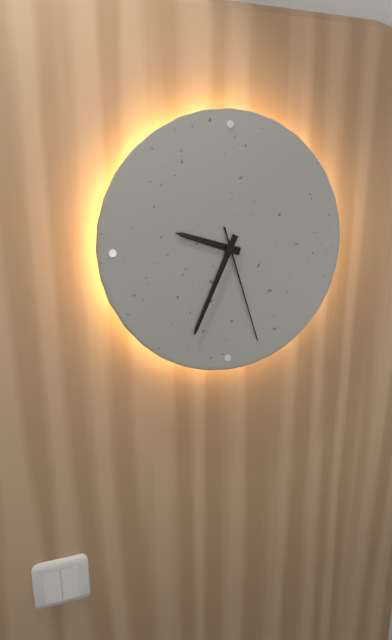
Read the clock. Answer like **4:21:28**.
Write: **9:34:27**
